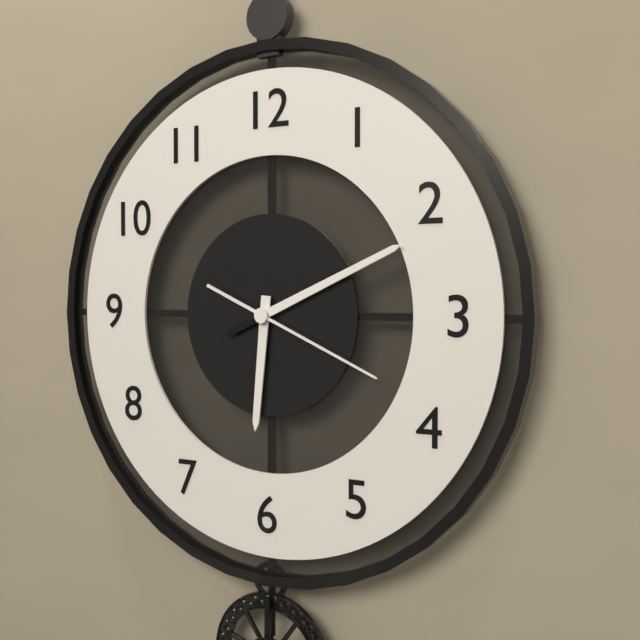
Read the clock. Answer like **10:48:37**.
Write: **6:11:19**
